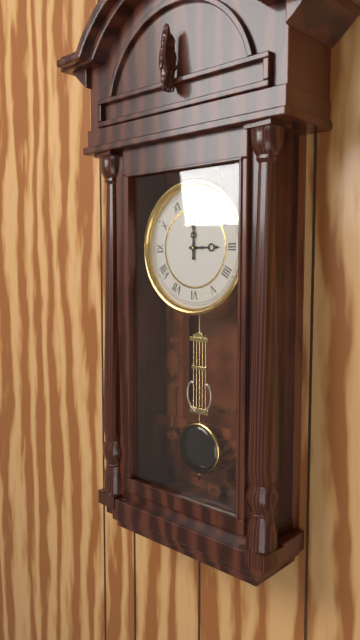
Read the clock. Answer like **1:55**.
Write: **3:00**
